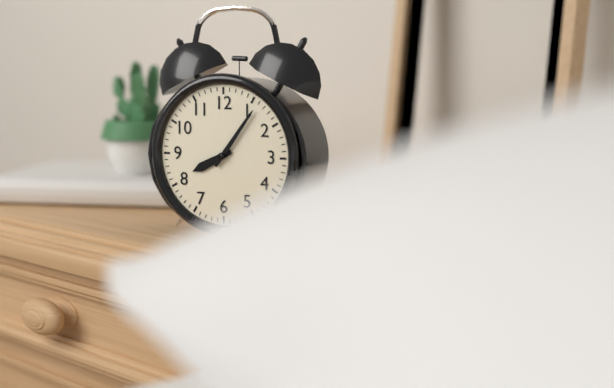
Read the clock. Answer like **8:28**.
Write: **8:06**
